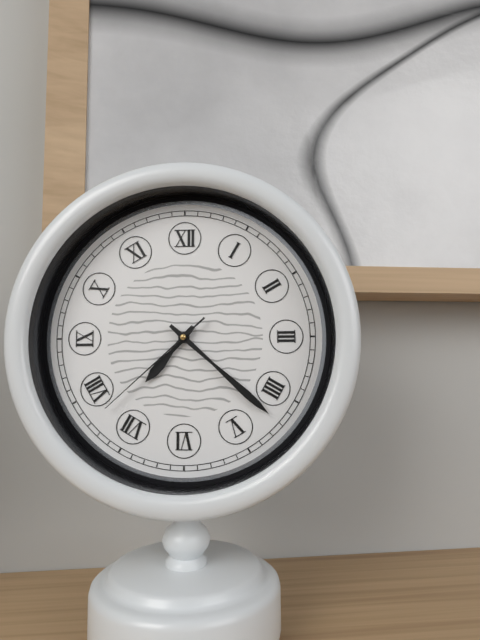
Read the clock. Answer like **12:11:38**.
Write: **7:22:38**
